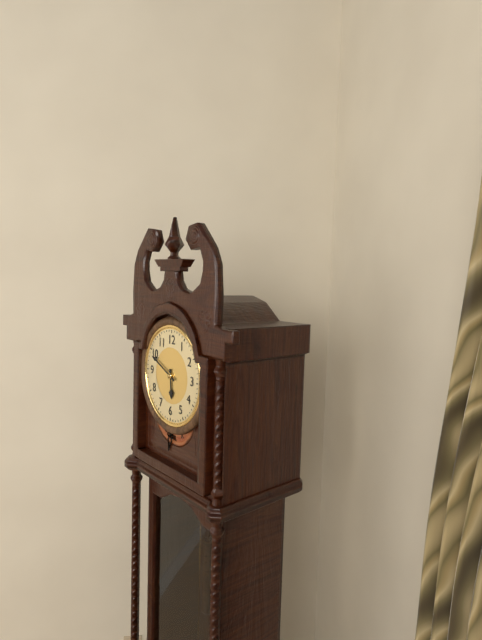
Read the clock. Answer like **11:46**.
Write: **5:49**
